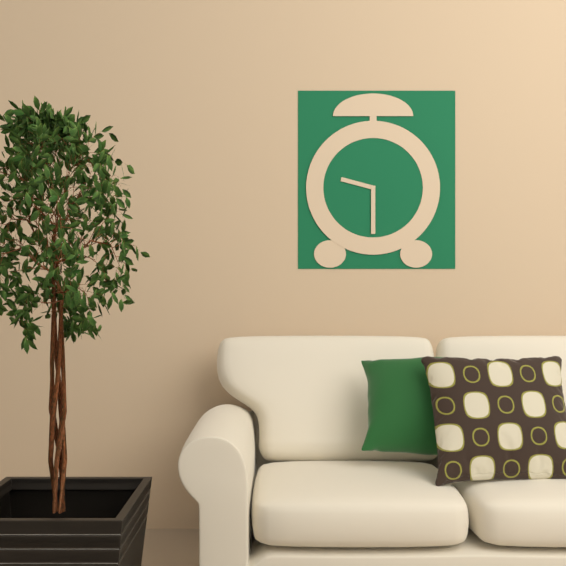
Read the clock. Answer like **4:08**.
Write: **9:30**
